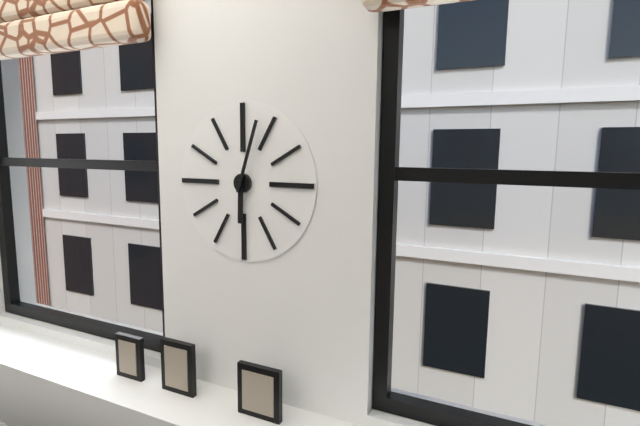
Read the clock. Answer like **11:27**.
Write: **6:03**
